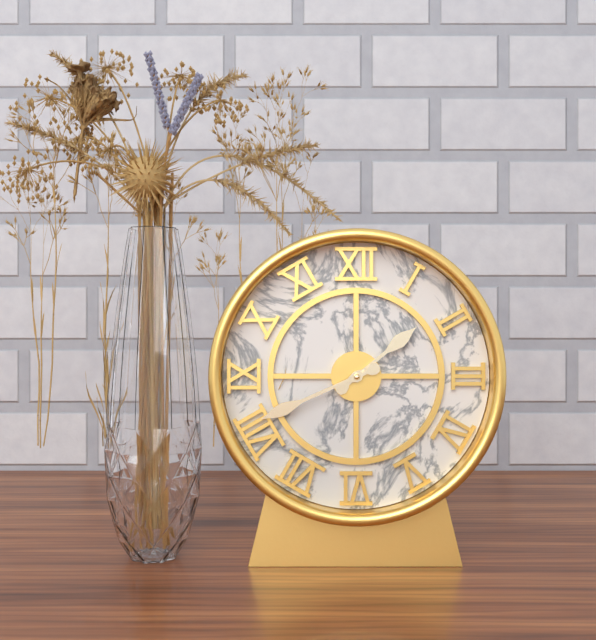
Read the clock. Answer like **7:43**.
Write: **1:41**
